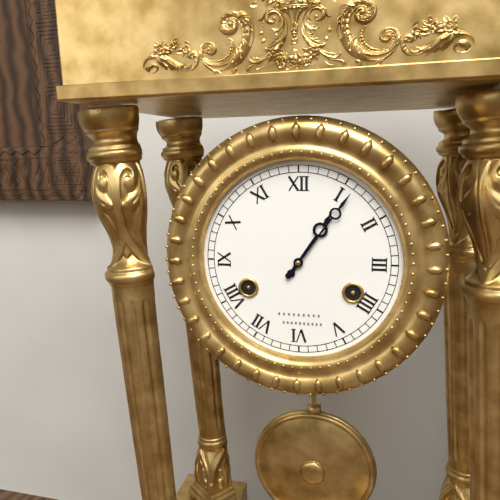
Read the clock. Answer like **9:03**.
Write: **1:06**
